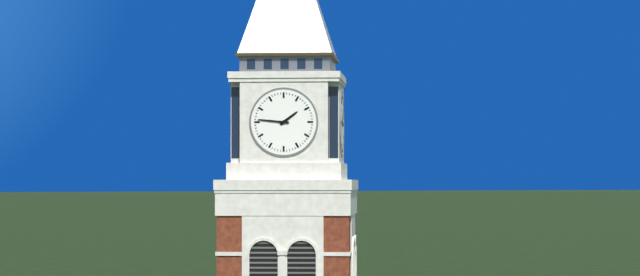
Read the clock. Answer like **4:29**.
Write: **1:46**
